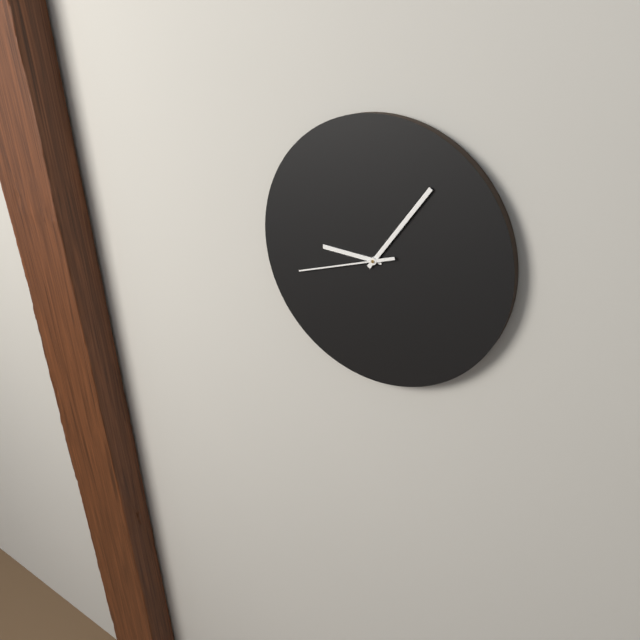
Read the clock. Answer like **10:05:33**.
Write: **9:06:42**
